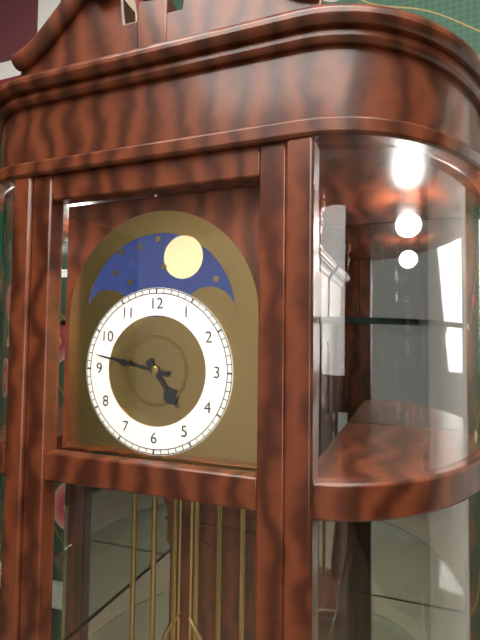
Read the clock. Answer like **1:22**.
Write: **4:47**
